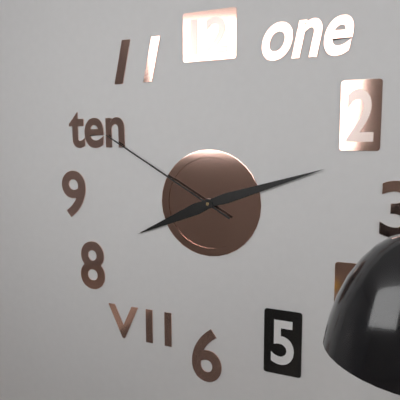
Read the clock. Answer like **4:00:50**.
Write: **8:12:50**
